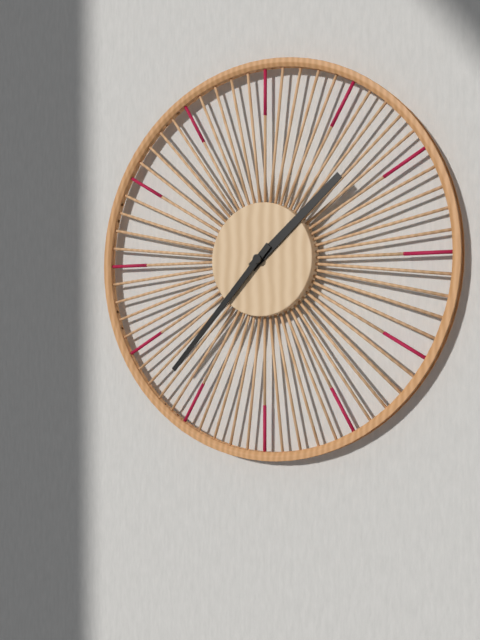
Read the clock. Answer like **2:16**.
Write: **1:37**
